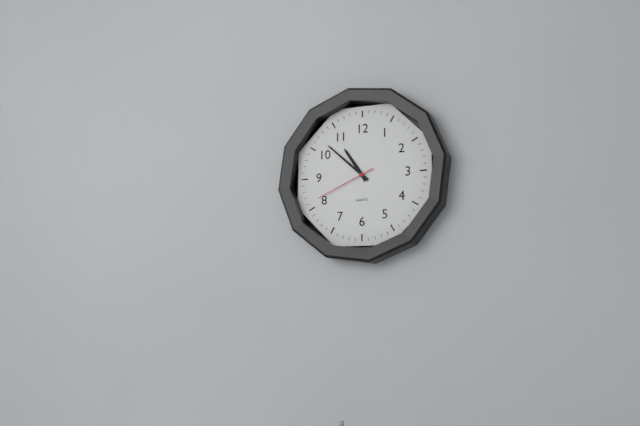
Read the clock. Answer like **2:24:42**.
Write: **10:52:41**
